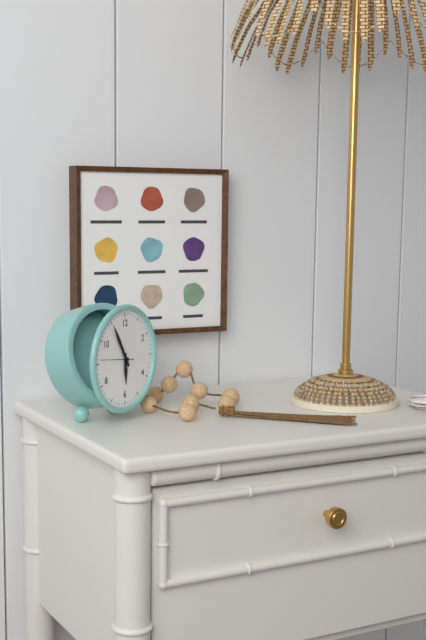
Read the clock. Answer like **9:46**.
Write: **5:55**
